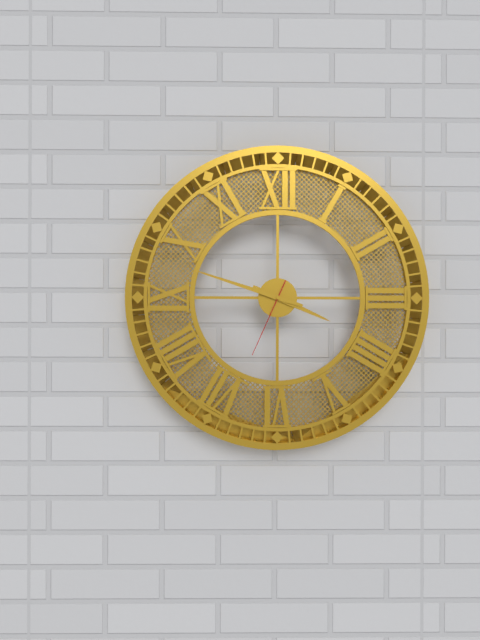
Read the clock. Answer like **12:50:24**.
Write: **3:48:34**
